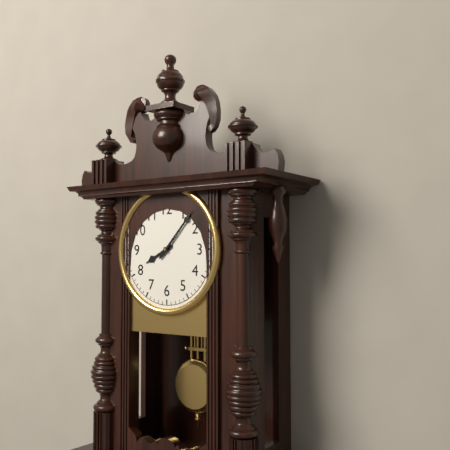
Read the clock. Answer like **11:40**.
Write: **8:07**
